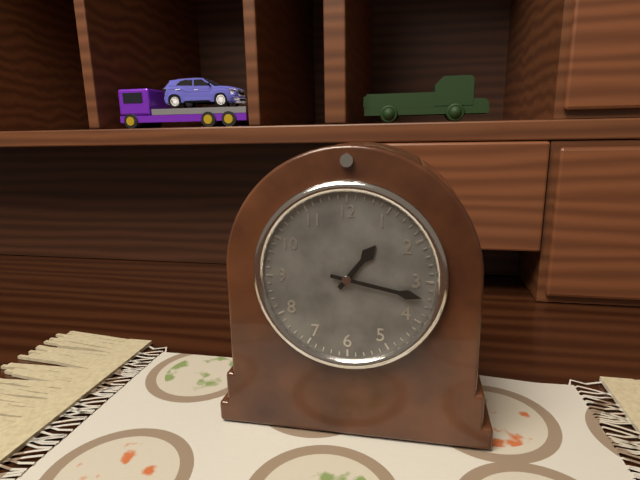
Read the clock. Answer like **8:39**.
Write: **1:17**
